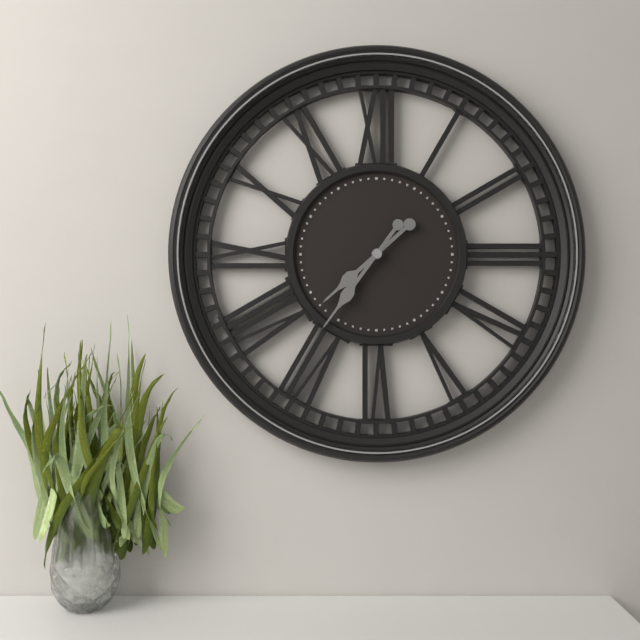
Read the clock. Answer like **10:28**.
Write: **7:36**
